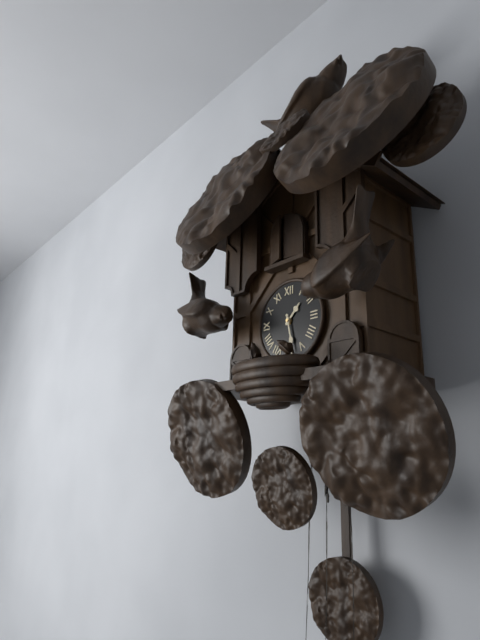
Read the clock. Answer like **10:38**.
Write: **1:28**
